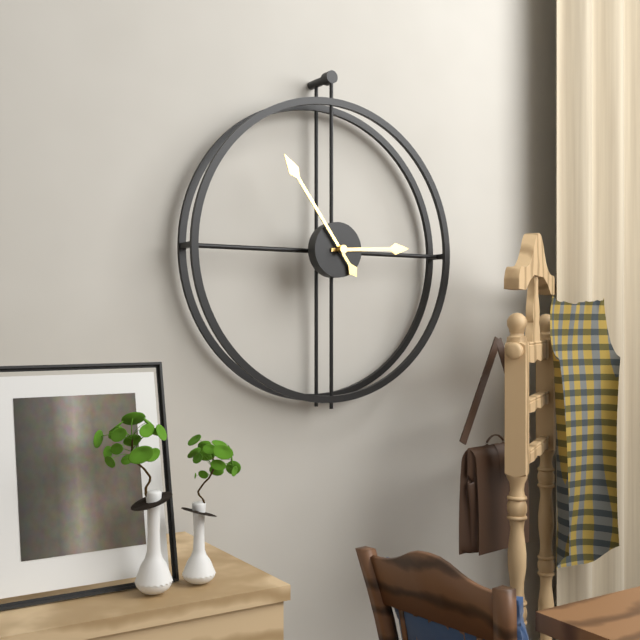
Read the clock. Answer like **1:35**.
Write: **2:54**
